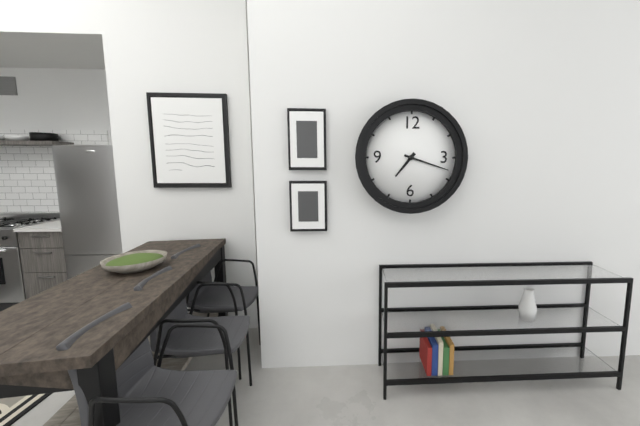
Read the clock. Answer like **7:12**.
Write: **7:18**
